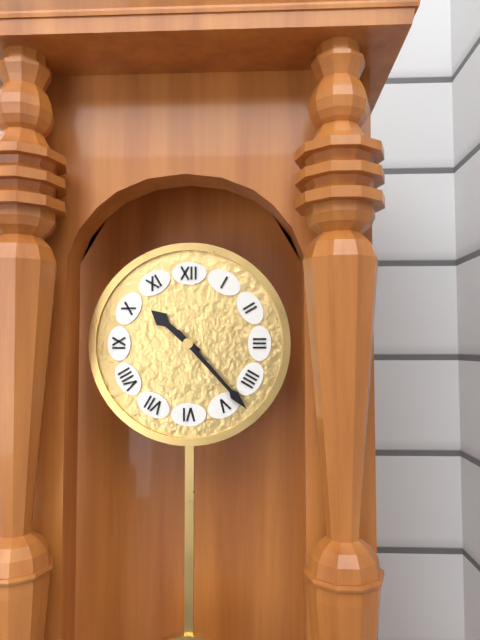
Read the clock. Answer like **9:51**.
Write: **10:23**
